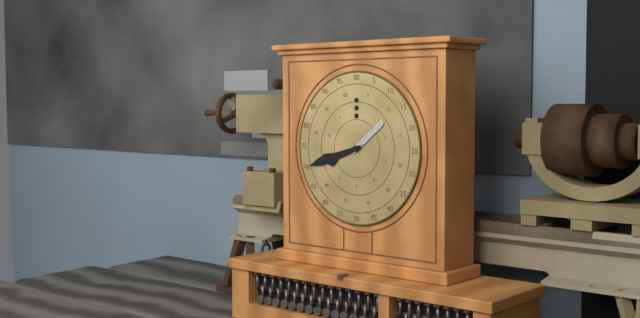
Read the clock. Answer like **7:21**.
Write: **1:42**
